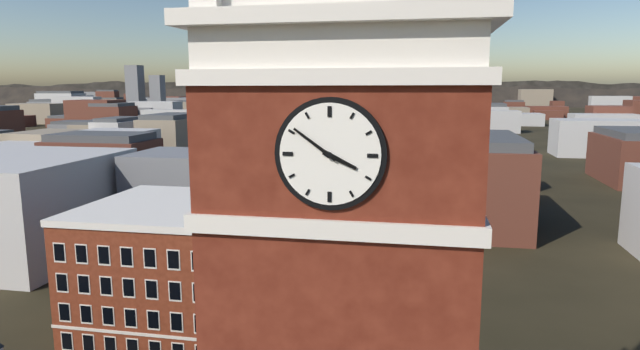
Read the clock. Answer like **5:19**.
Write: **3:51**
